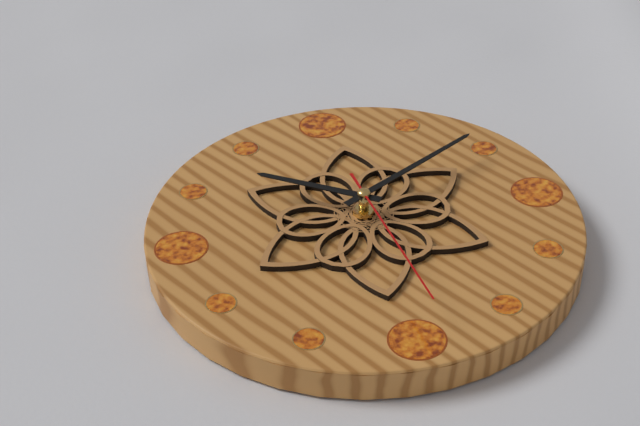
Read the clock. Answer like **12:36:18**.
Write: **10:10:29**
